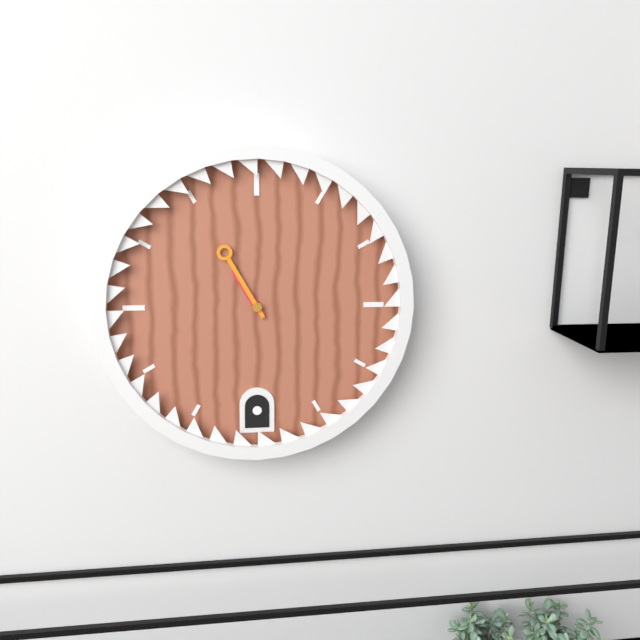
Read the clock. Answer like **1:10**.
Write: **10:55**
